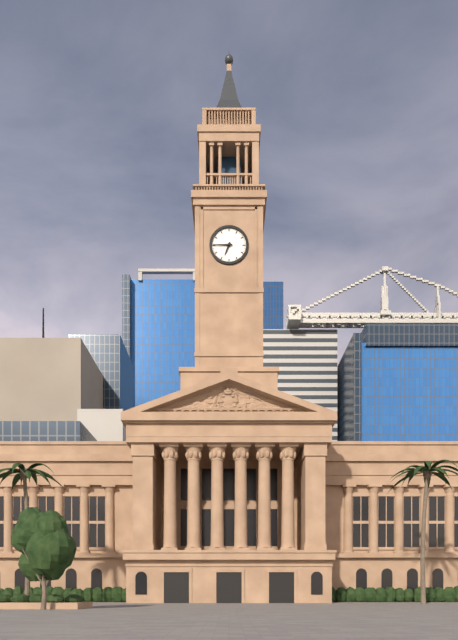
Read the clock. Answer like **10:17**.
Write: **6:45**
